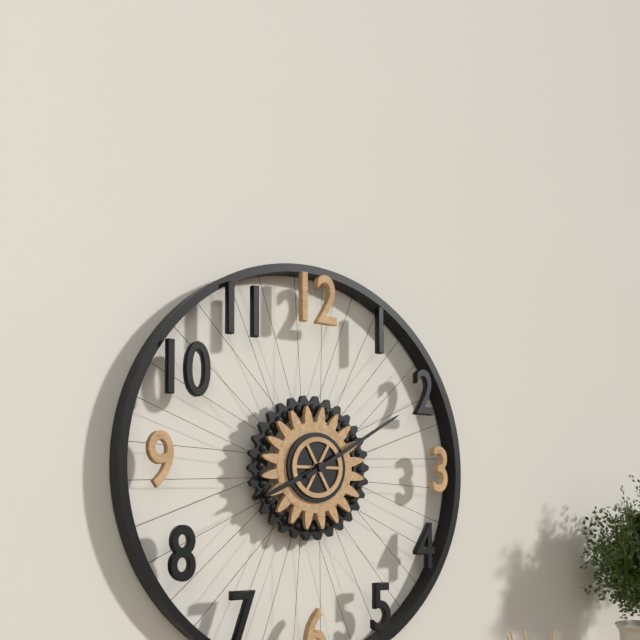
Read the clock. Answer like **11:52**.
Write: **8:10**
